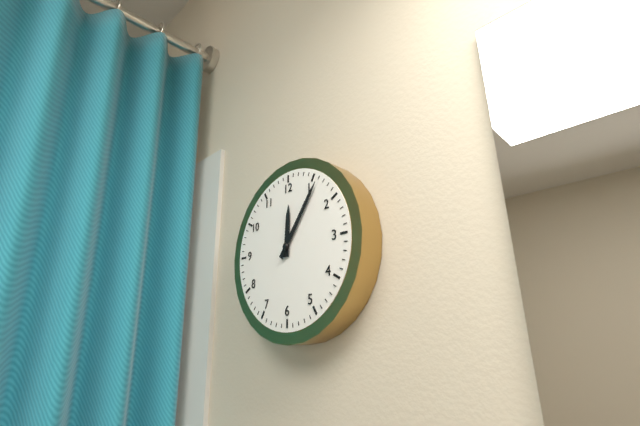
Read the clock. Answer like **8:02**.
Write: **12:06**
